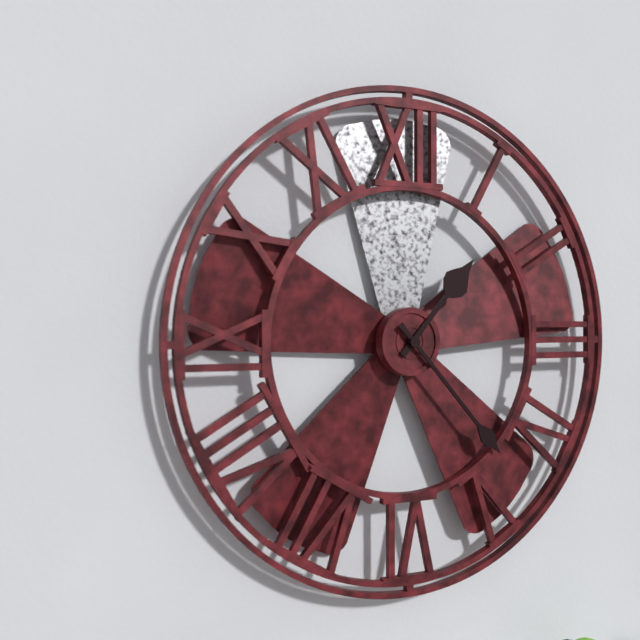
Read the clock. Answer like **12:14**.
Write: **1:23**
